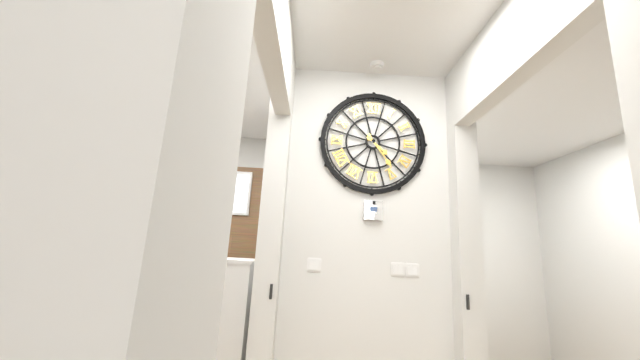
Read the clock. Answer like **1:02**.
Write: **4:24**
